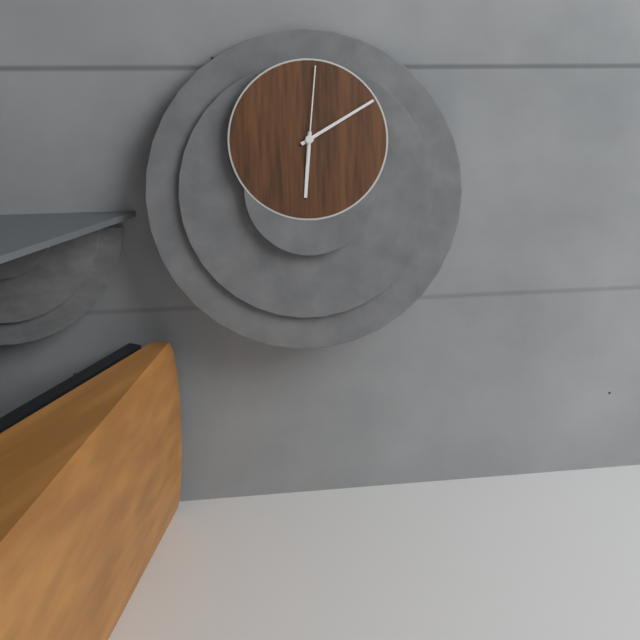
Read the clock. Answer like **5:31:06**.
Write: **6:10:01**
